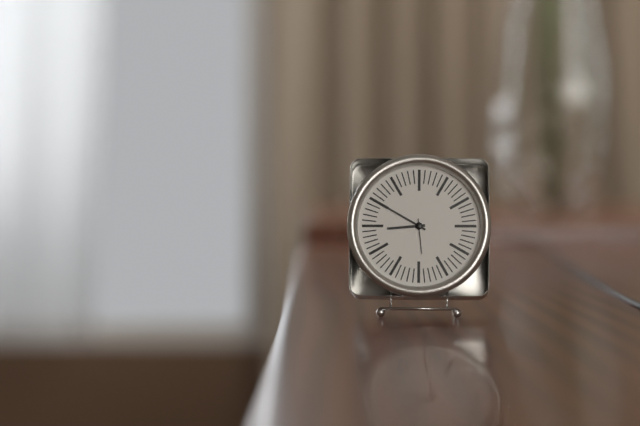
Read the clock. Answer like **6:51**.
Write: **8:50**
